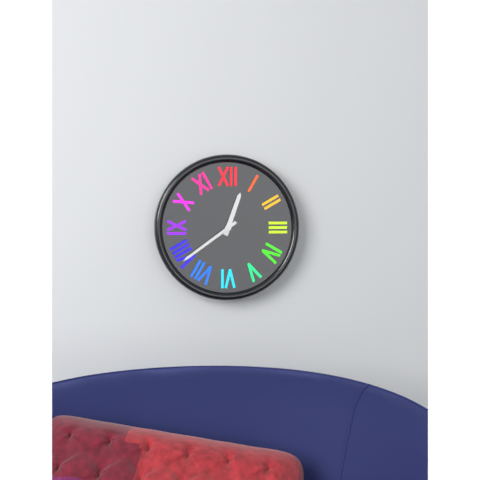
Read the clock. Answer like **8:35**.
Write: **12:39**
